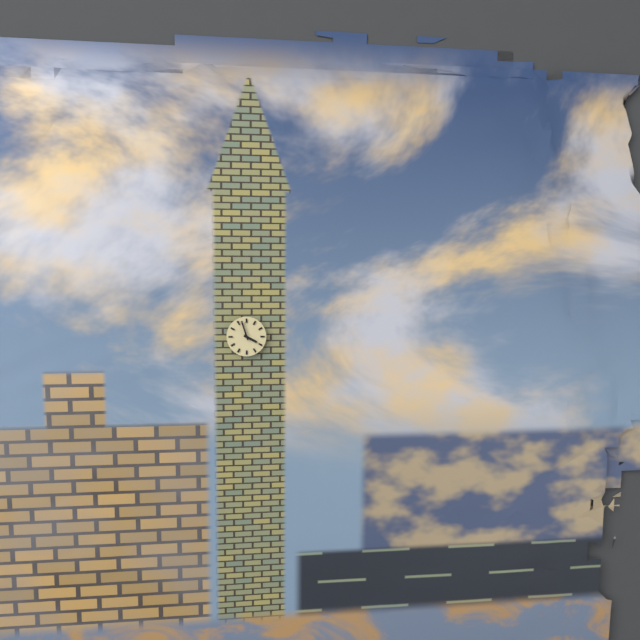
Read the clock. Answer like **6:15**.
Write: **3:57**
